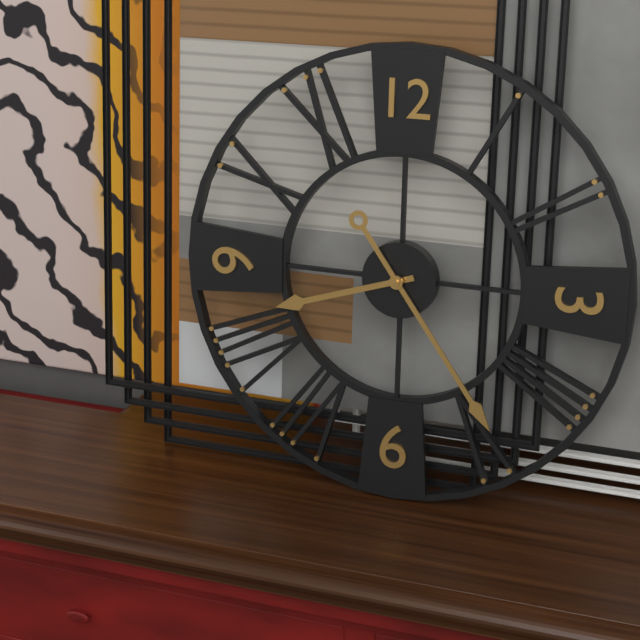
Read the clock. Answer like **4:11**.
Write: **8:24**
